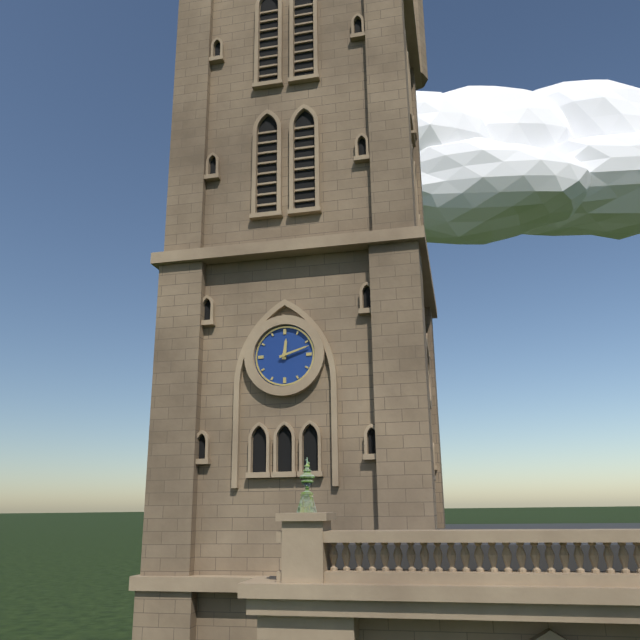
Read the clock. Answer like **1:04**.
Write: **12:12**
